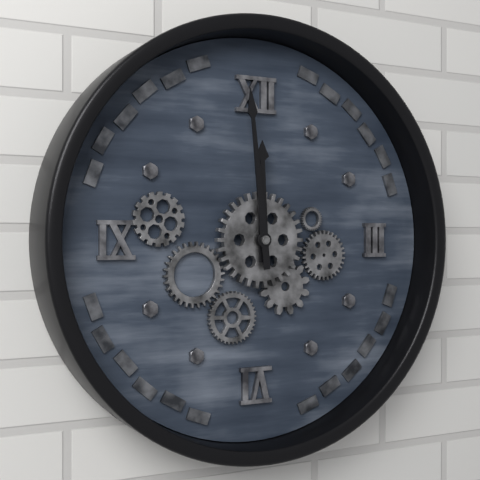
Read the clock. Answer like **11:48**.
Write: **11:59**
